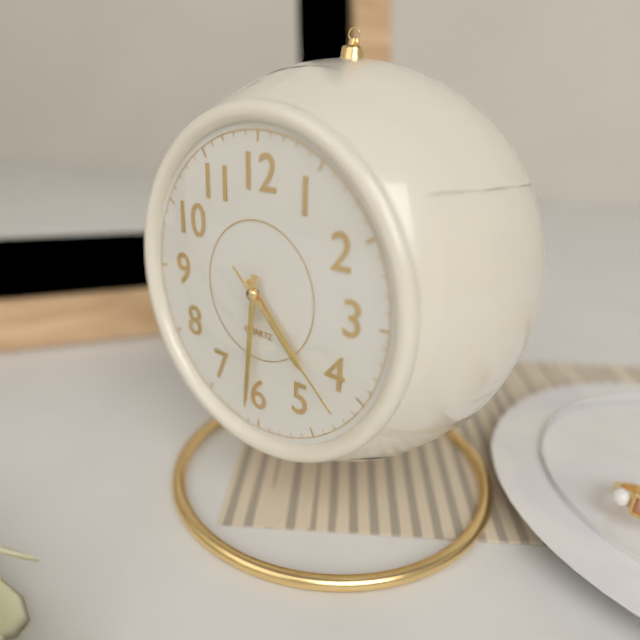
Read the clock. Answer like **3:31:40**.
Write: **4:31:22**
